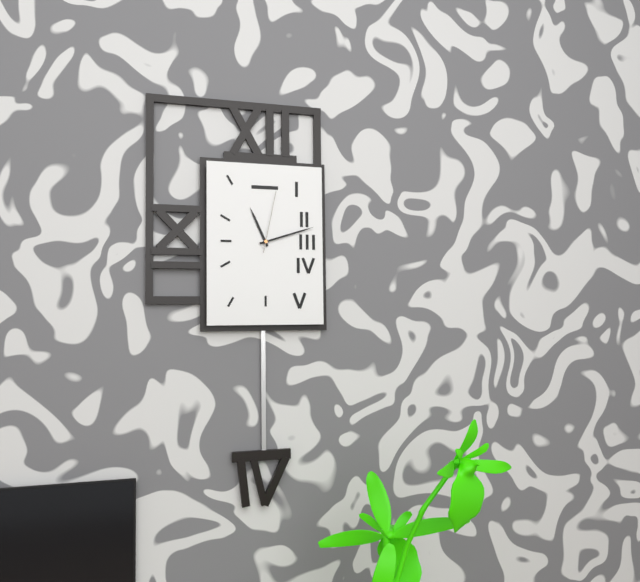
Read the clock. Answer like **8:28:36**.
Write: **11:12:02**
